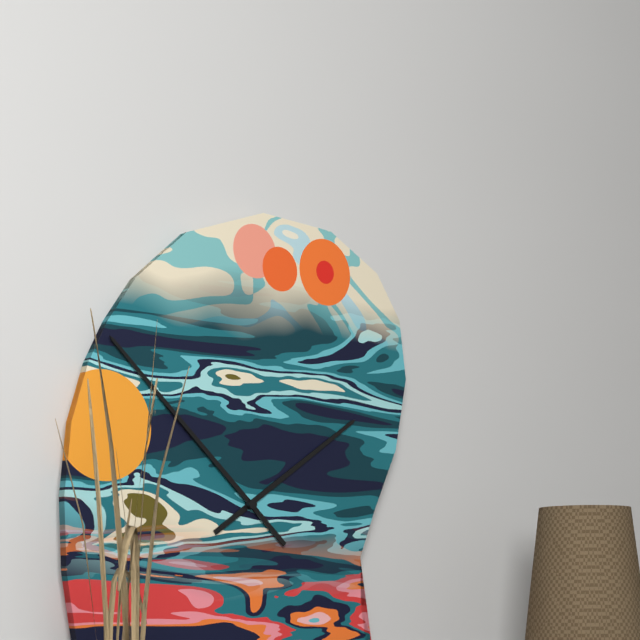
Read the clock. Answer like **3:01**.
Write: **1:52**
